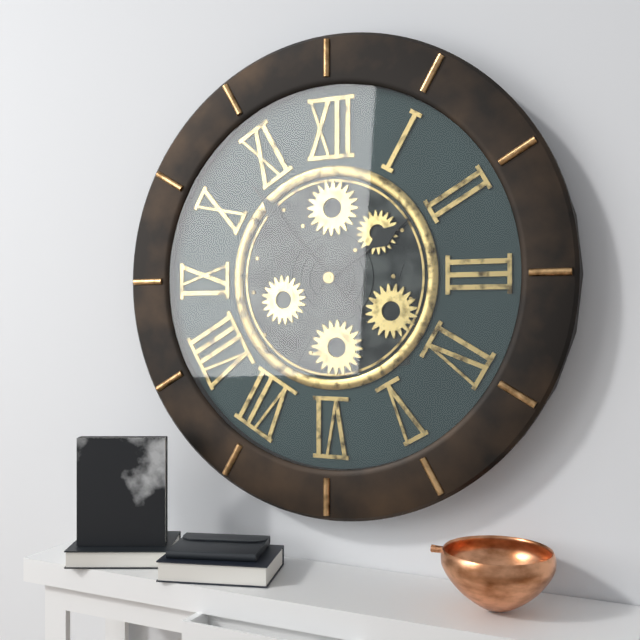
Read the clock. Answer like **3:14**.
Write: **1:53**
